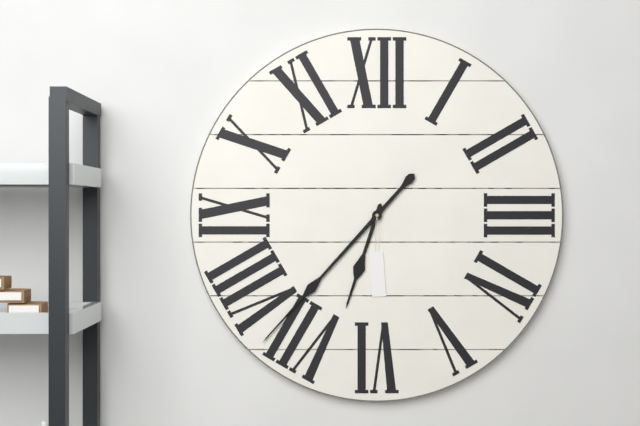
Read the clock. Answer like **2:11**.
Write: **6:37**
